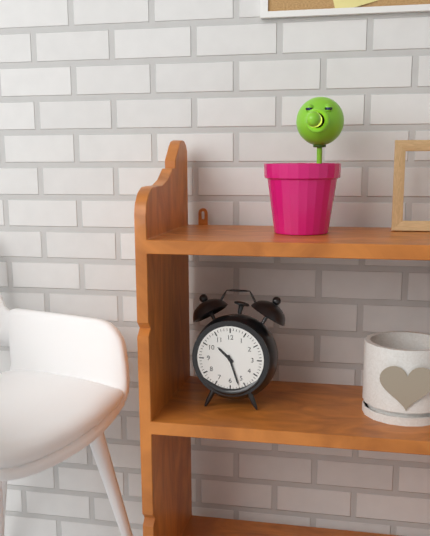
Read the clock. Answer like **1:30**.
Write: **10:27**
